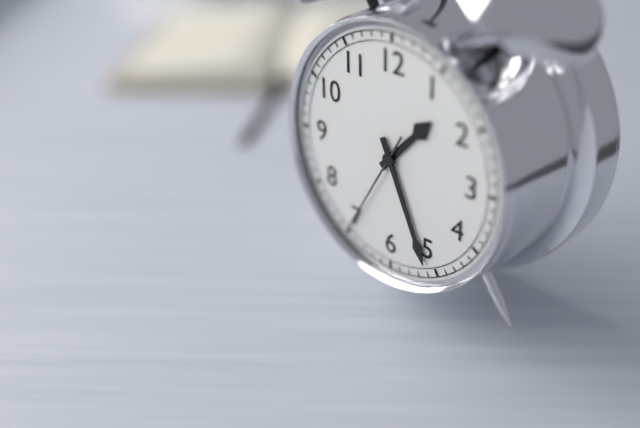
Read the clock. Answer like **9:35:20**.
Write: **1:26:35**
